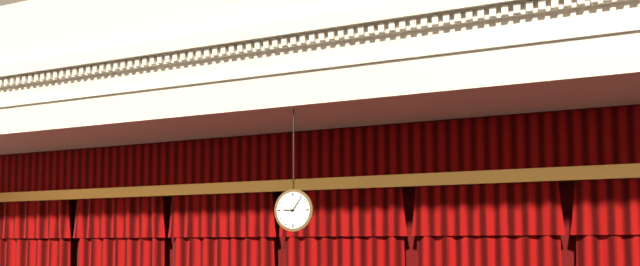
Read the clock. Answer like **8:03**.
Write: **9:06**
